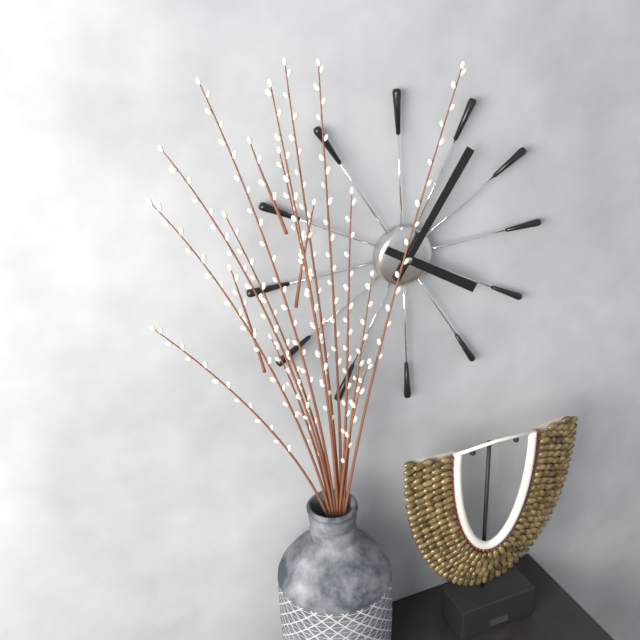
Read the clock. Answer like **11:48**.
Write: **4:06**
